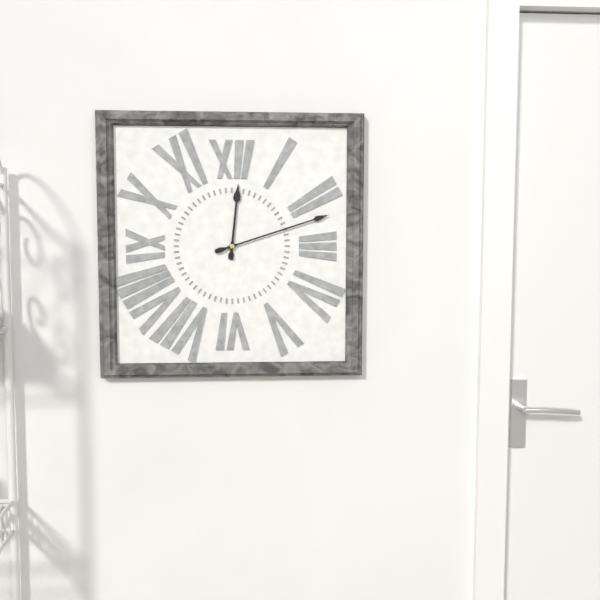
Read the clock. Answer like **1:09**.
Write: **12:12**
